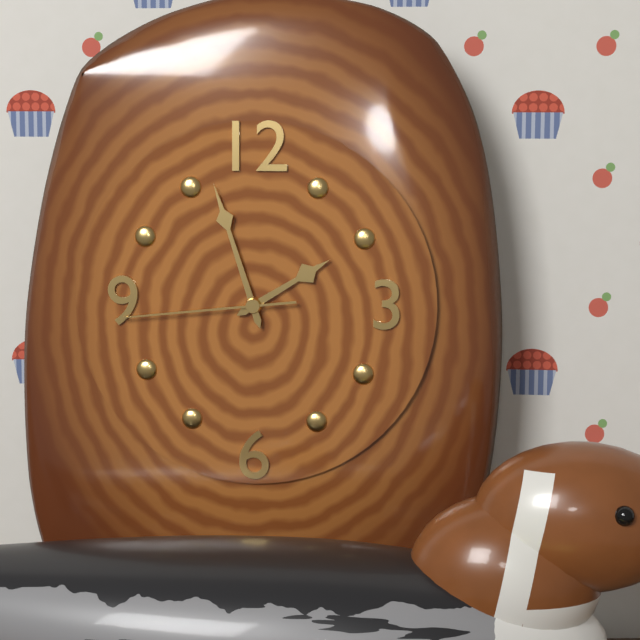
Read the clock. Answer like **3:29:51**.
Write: **1:57:44**
